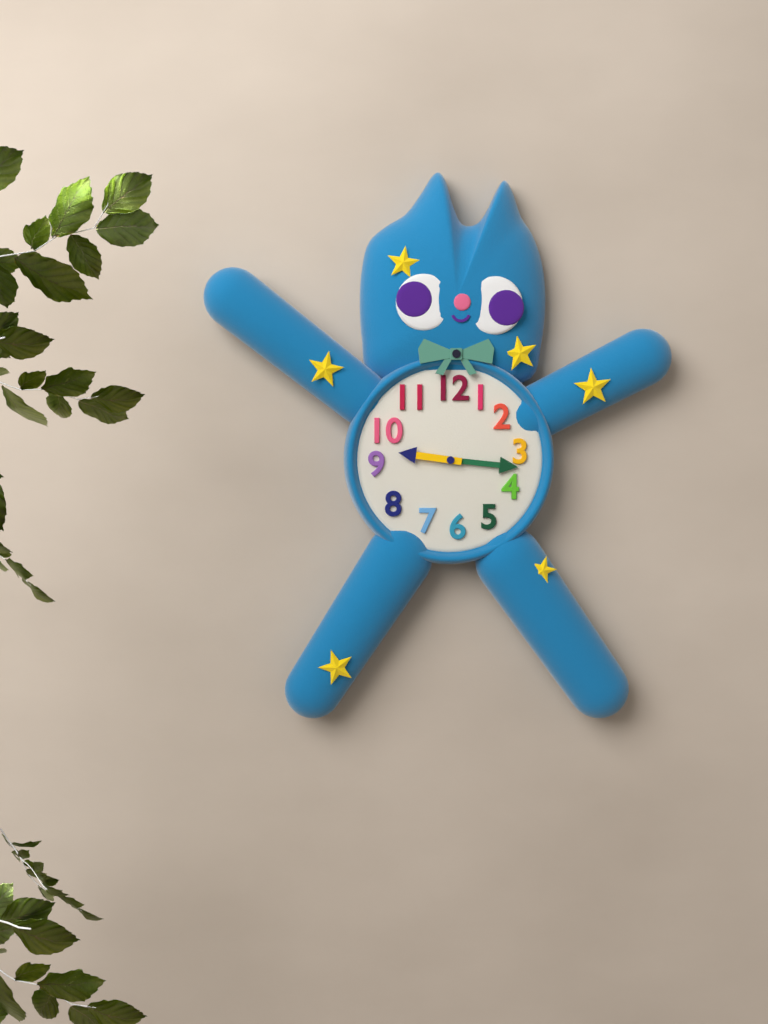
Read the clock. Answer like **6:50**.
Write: **9:16**
